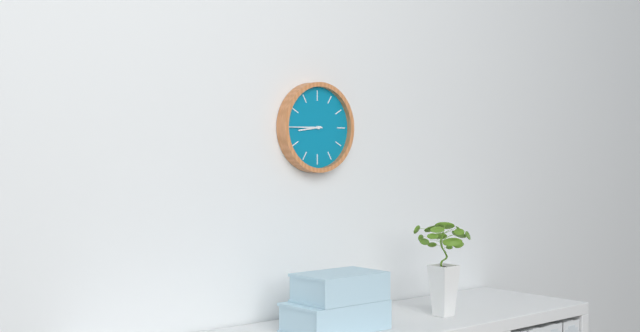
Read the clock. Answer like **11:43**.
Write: **8:45**
